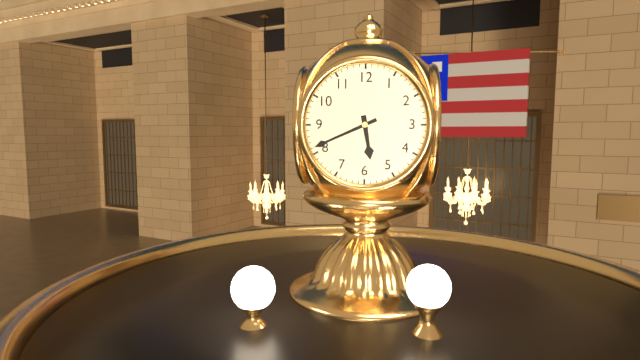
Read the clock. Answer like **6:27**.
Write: **5:41**
